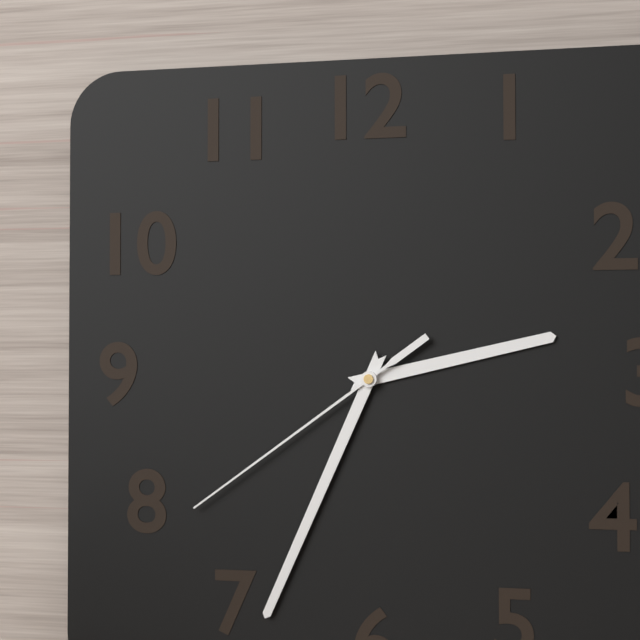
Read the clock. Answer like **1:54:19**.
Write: **2:34:39**
